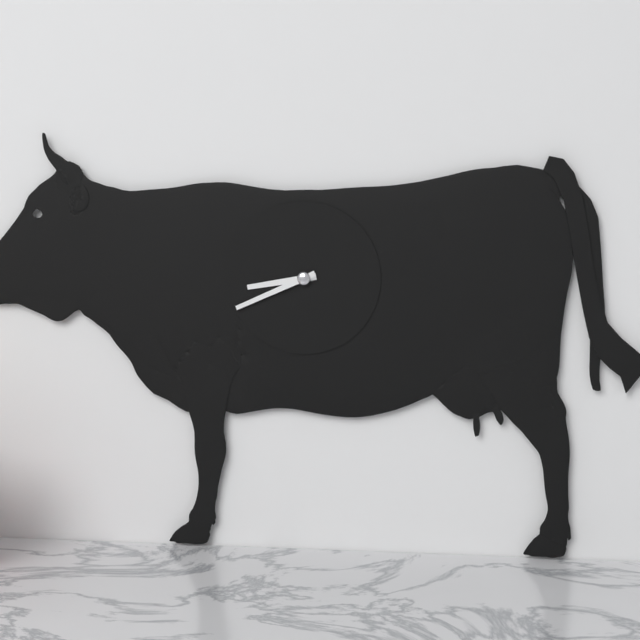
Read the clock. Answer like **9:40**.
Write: **8:41**
